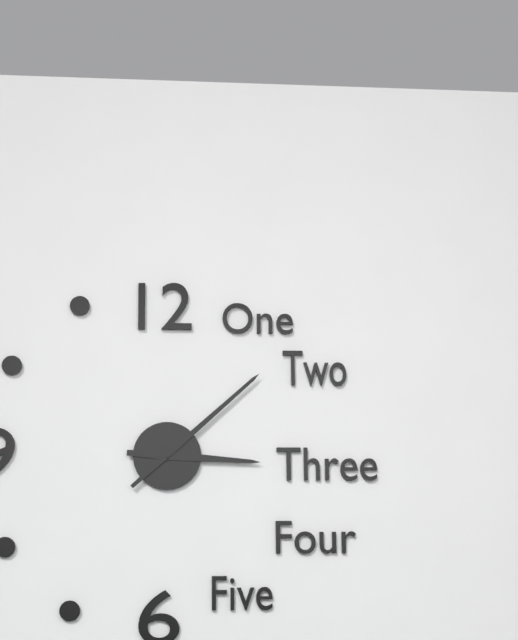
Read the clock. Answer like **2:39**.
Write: **3:08**
